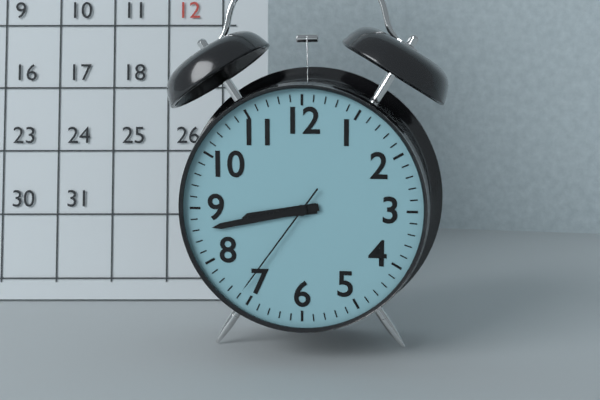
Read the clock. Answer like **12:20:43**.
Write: **8:43:36**
